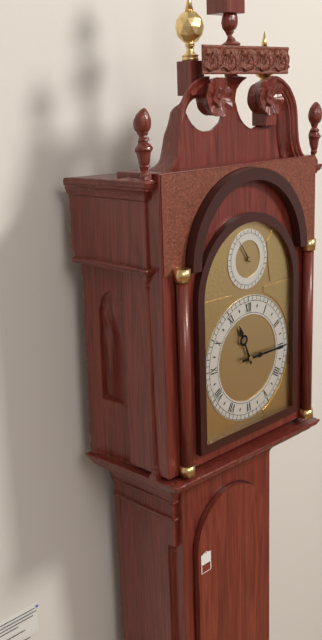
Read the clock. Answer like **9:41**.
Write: **11:15**
